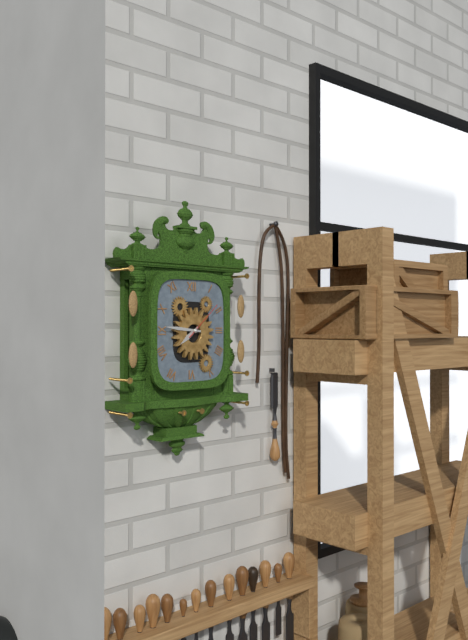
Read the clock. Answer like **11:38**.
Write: **7:46**
